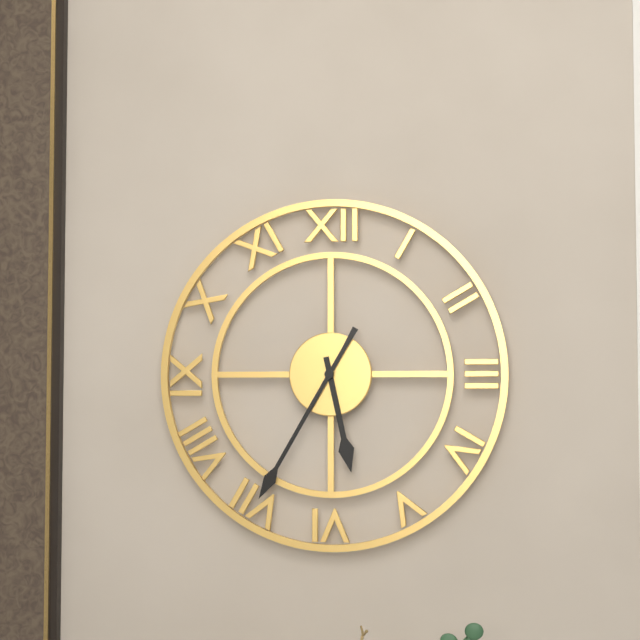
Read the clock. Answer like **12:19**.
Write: **5:35**
